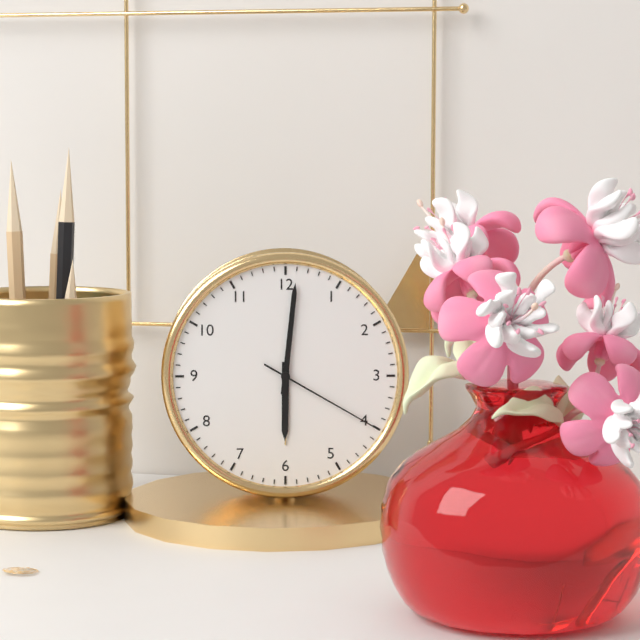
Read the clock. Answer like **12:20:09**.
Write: **6:01:20**
